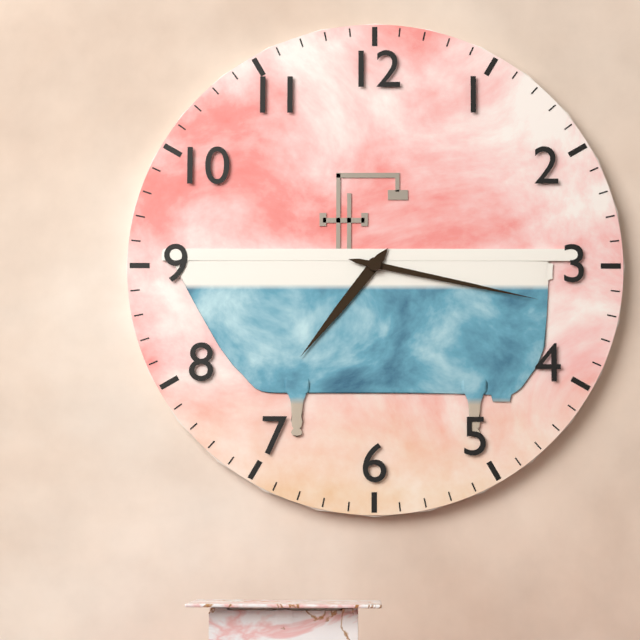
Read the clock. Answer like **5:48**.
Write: **7:17**
